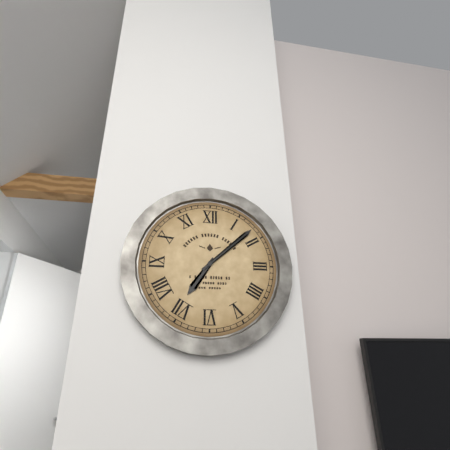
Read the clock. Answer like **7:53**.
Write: **7:08**
